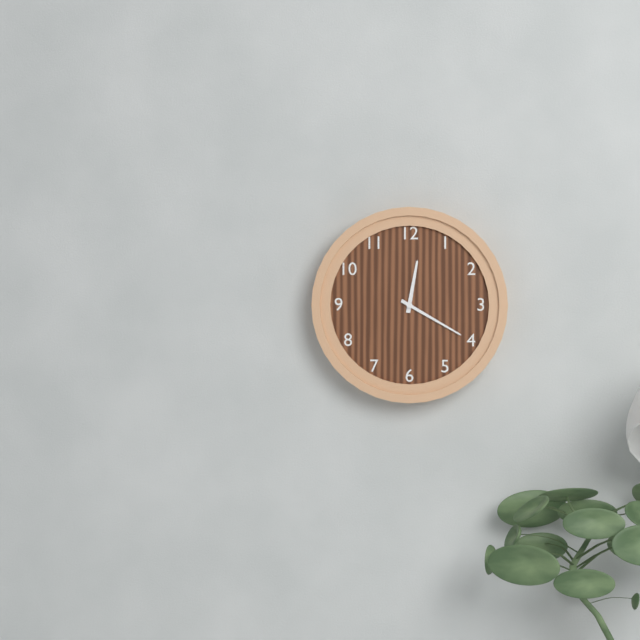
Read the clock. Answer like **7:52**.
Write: **12:20**
